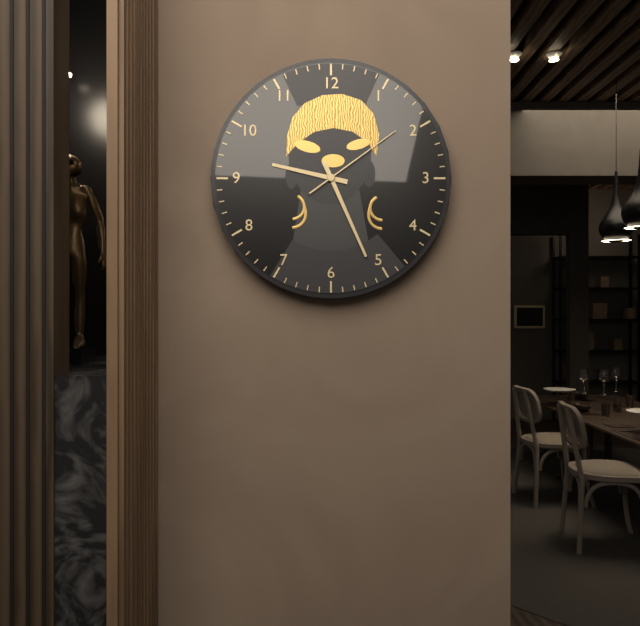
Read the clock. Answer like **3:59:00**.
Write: **9:26:09**
